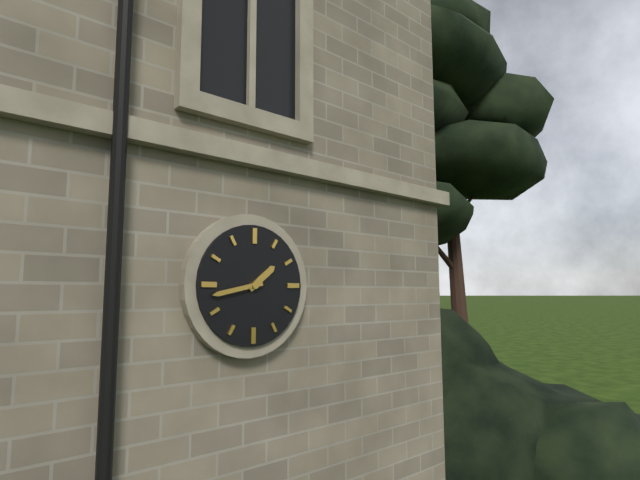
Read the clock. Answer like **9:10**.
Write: **1:43**
